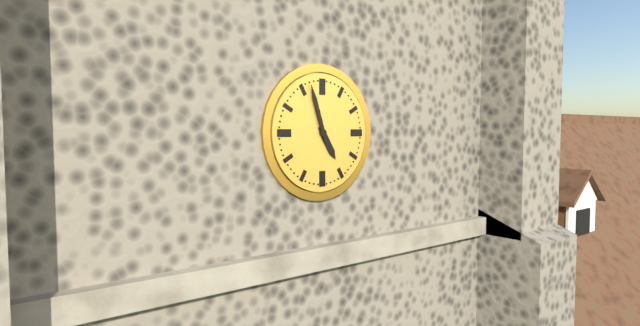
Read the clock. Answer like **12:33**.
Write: **4:57**
